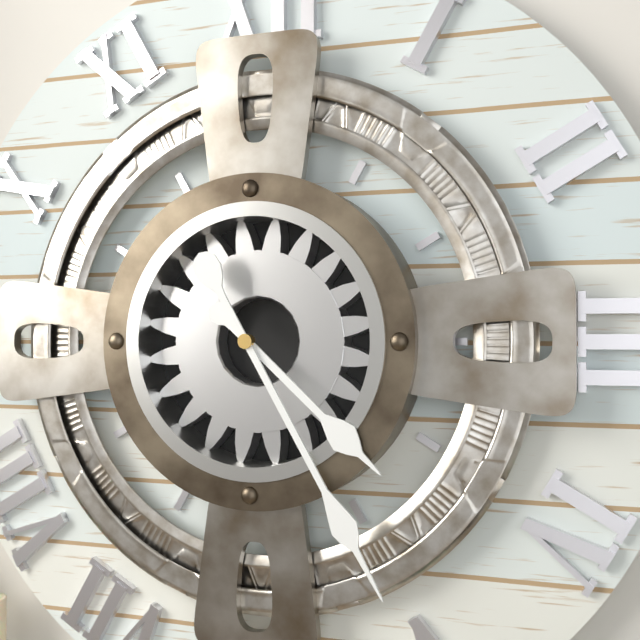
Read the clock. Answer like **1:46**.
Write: **4:25**
